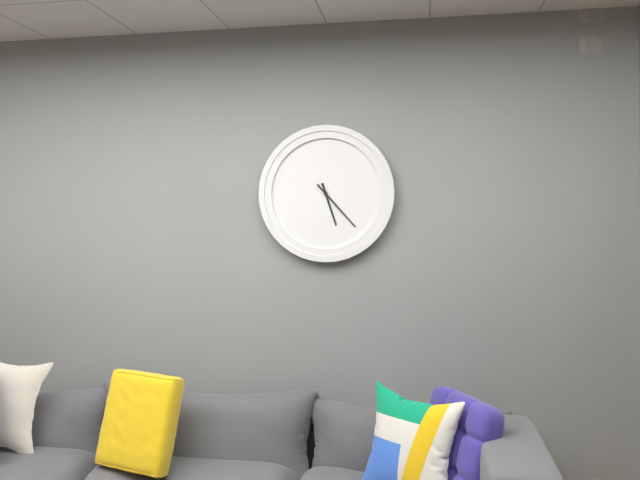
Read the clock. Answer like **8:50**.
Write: **5:23**
